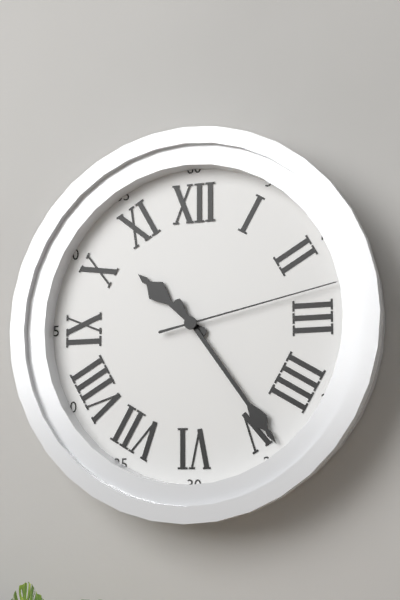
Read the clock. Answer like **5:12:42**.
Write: **10:24:13**
